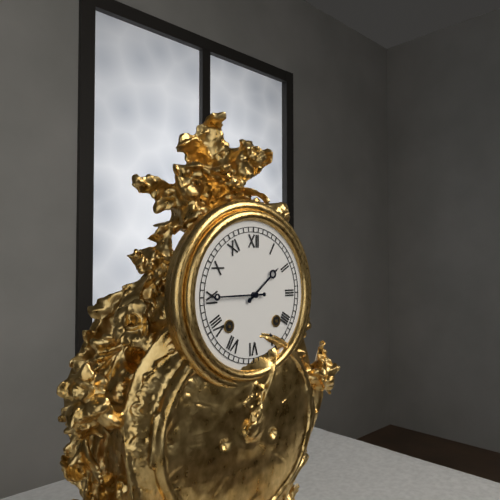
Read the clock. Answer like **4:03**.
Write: **1:45**
